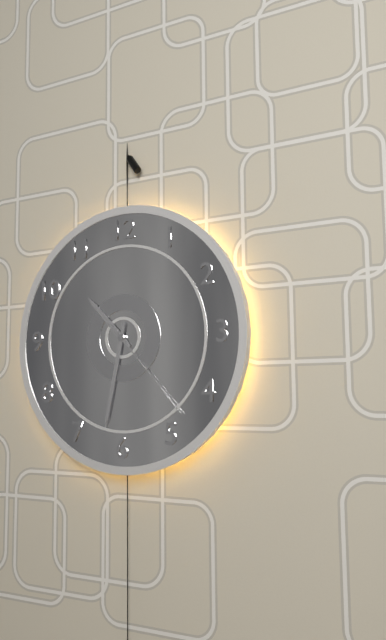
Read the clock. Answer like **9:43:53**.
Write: **10:32:23**
